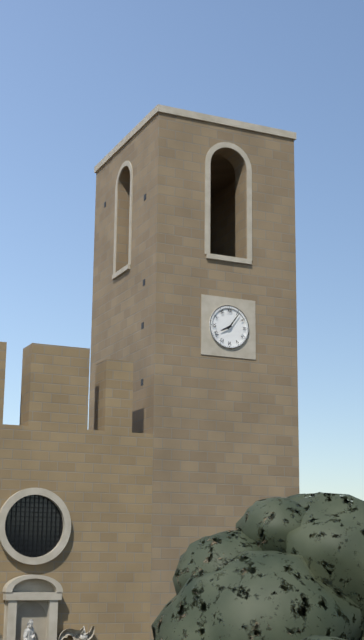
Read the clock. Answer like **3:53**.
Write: **8:06**
